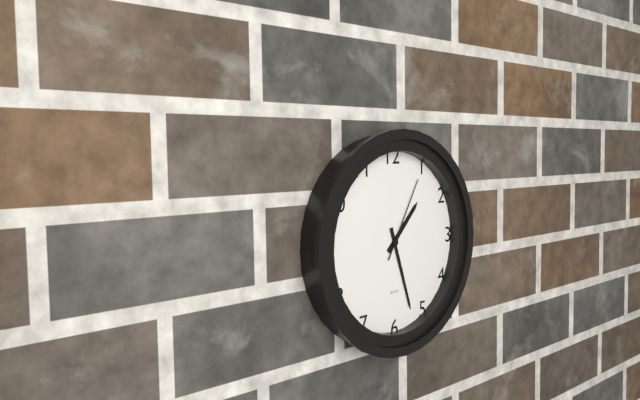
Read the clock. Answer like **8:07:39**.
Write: **1:27:05**
